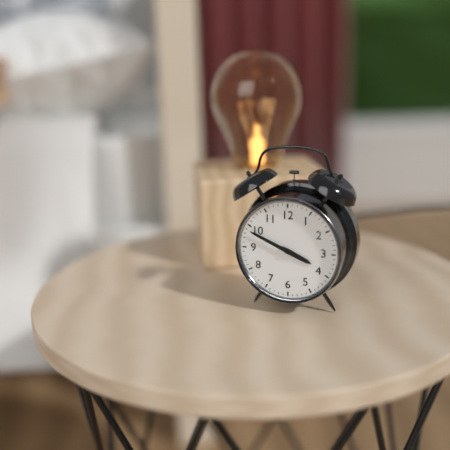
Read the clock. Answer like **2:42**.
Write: **3:49**
